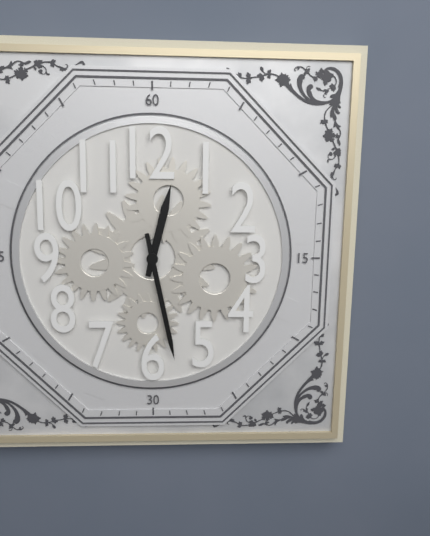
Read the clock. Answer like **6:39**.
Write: **12:28**
